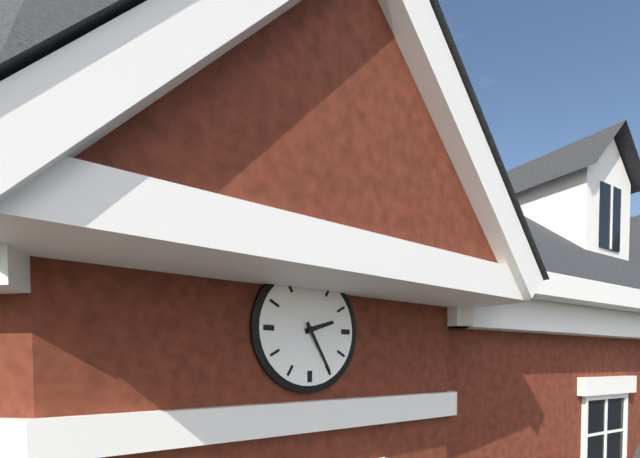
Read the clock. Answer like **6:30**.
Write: **2:25**
